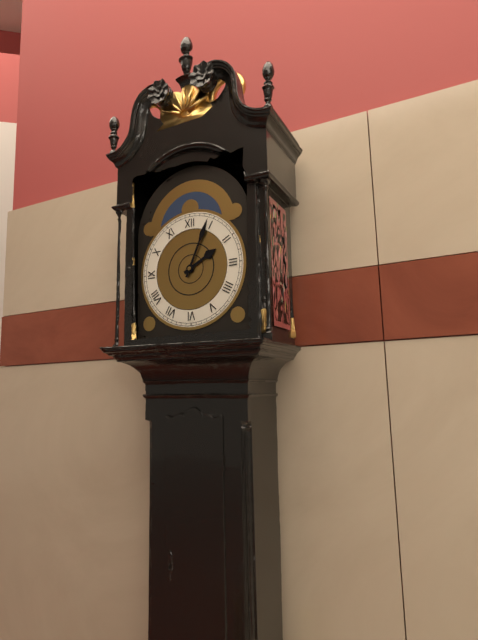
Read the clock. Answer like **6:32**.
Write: **2:04**
